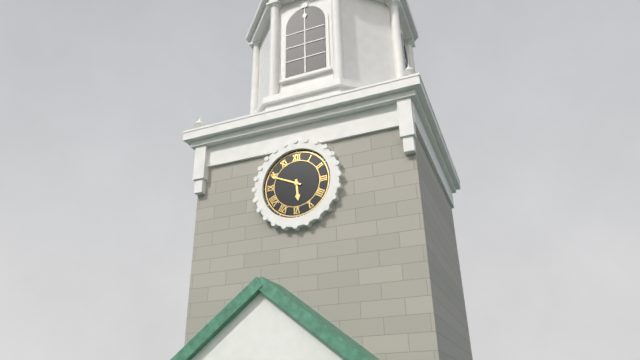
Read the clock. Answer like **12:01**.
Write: **5:49**
